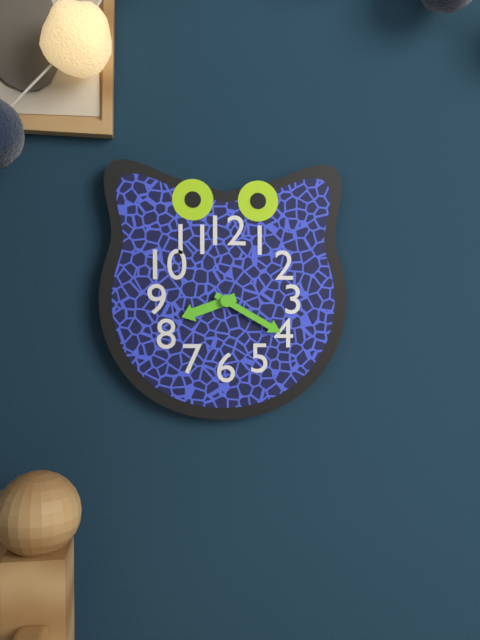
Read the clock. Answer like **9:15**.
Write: **8:20**
